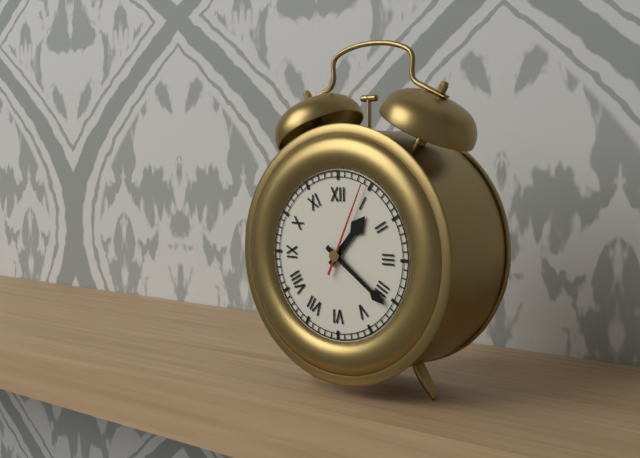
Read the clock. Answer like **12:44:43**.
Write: **1:21:04**
